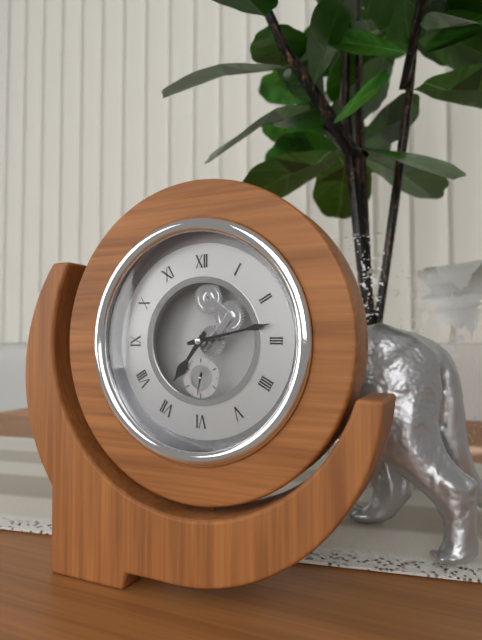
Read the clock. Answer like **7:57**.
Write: **7:13**
